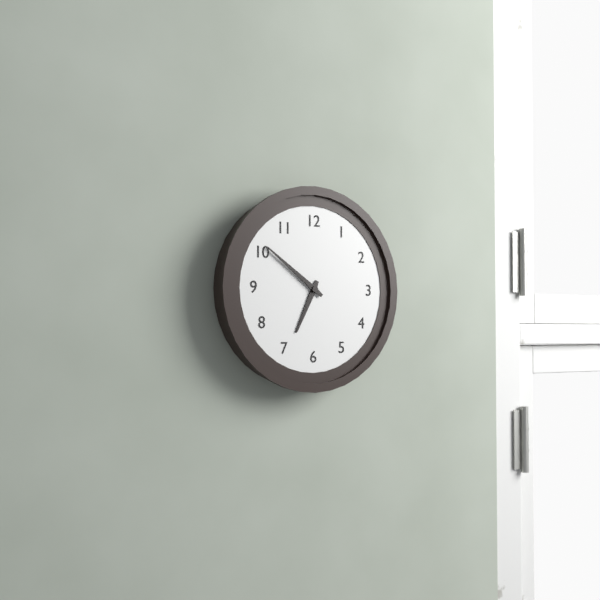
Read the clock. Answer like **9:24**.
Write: **6:51**
